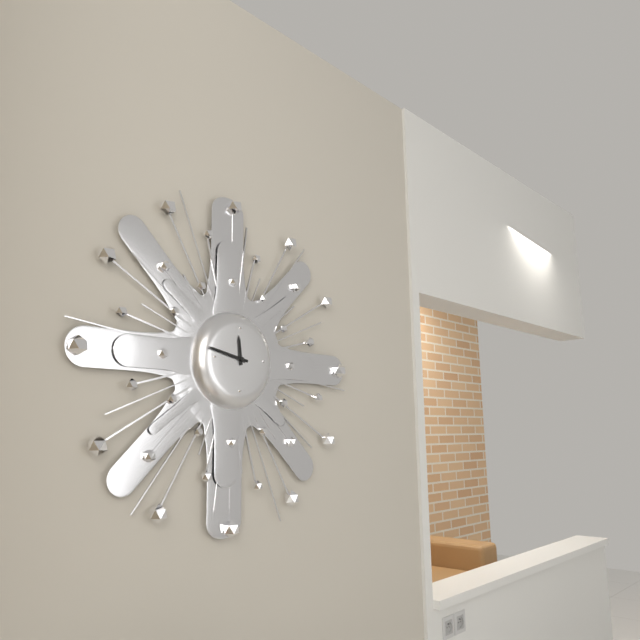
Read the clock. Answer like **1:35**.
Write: **11:47**
